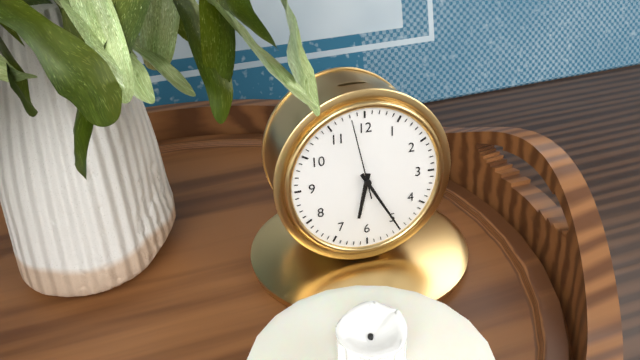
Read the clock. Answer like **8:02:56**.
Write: **6:25:58**
